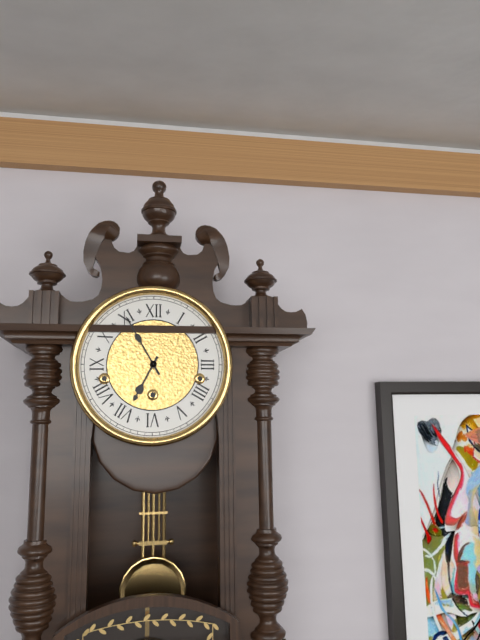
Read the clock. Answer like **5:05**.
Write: **6:55**
